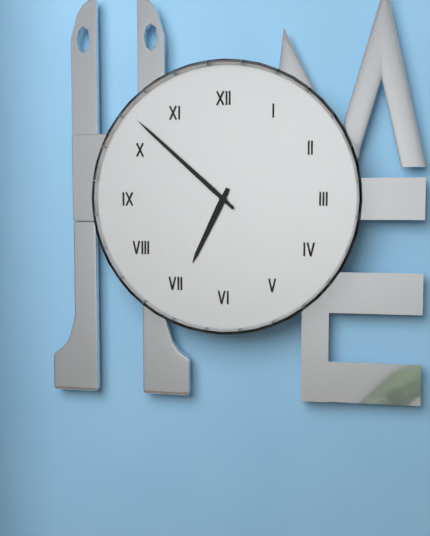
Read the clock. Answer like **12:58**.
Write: **6:52**
